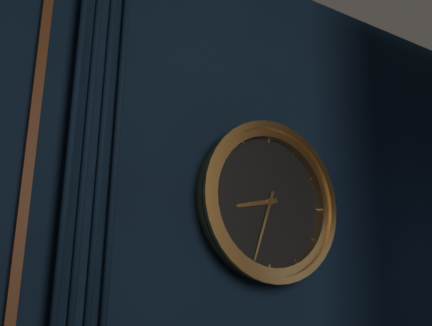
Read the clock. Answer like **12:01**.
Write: **8:33**
